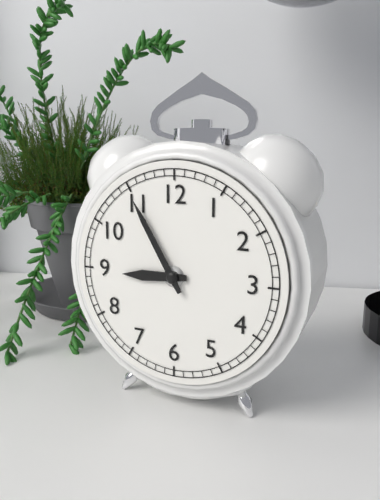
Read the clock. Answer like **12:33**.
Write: **8:55**
